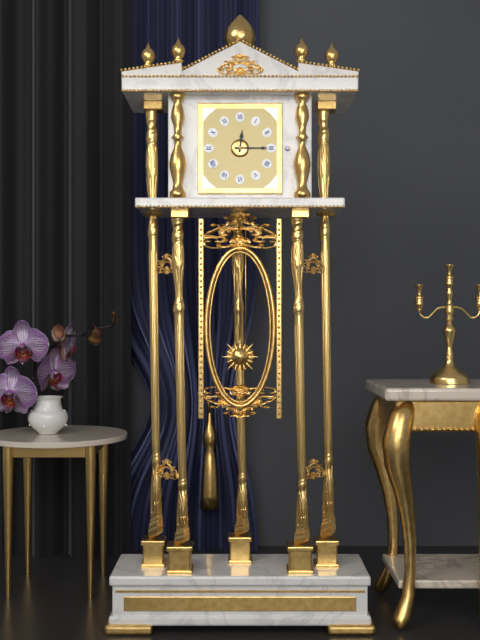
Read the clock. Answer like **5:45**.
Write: **12:15**
